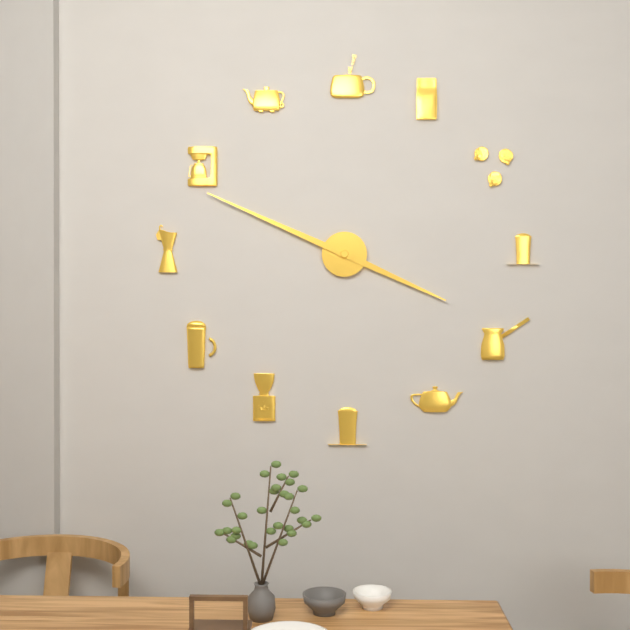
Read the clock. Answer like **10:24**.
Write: **3:49**
